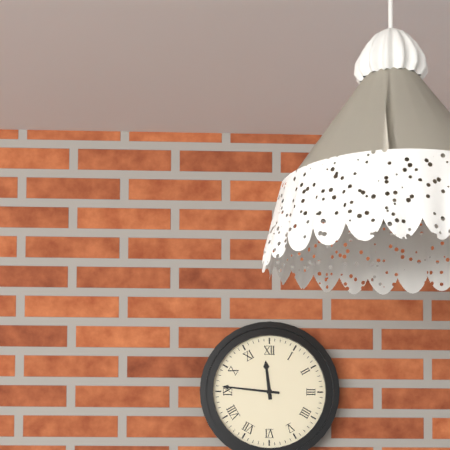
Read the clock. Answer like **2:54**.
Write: **11:46**
